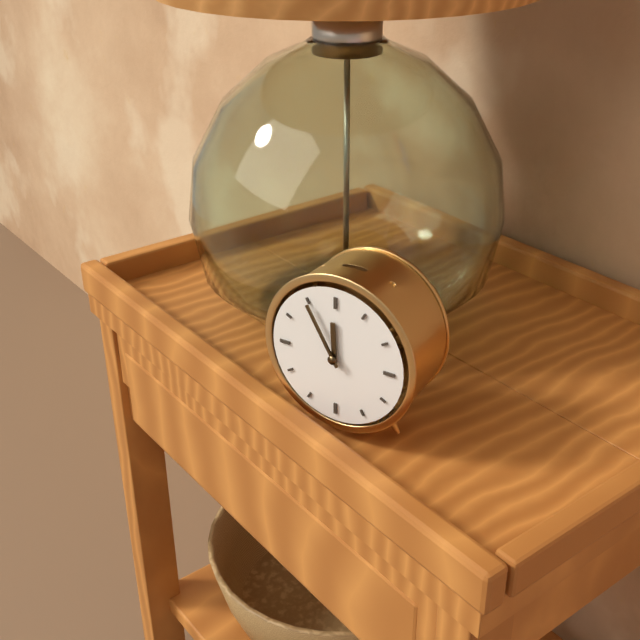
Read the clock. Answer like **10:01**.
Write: **11:55**
